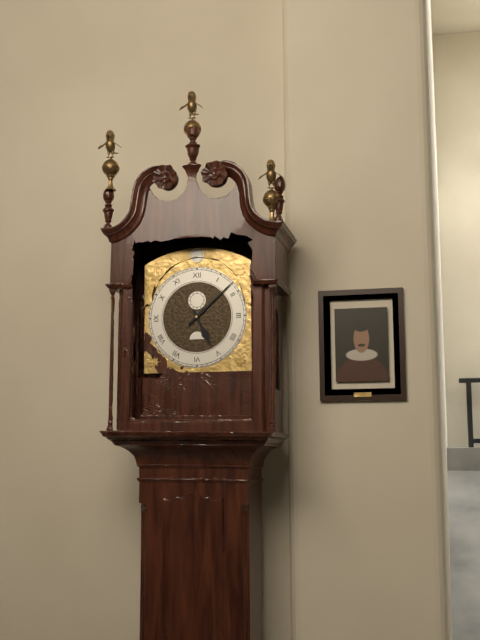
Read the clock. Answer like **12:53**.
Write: **5:08**
